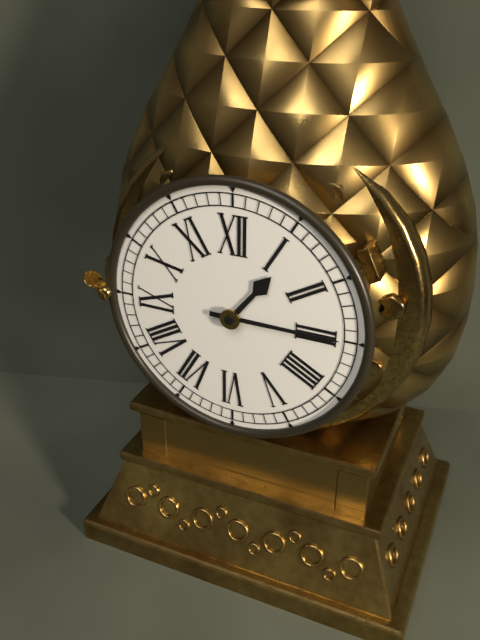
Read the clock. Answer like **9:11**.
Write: **1:15**
